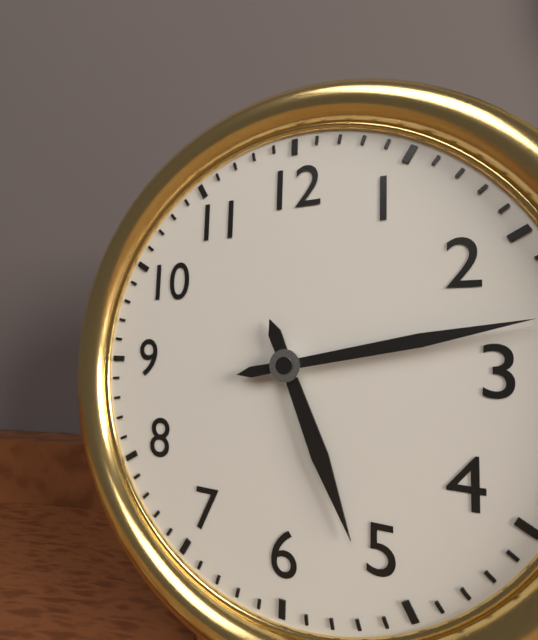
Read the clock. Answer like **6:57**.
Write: **5:13**
